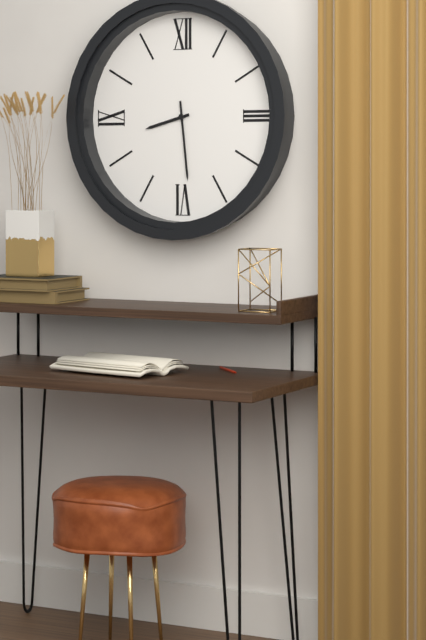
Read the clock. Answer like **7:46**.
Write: **8:29**
